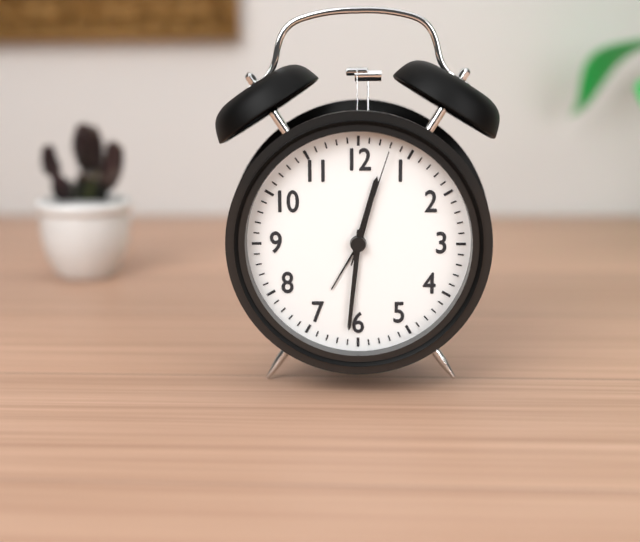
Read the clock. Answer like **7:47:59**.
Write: **12:31:03**
